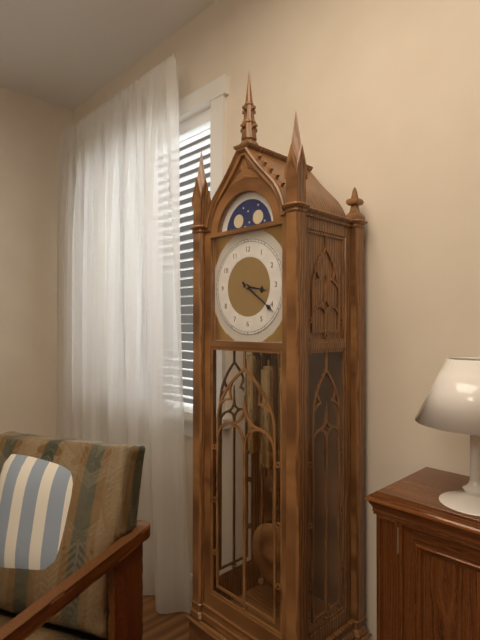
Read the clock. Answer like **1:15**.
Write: **3:21**
